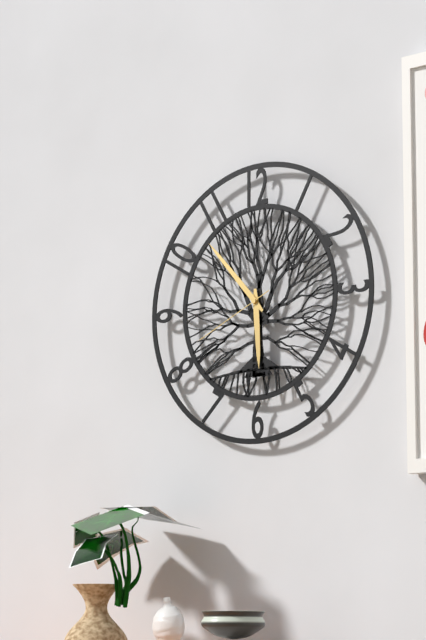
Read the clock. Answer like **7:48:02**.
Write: **5:53:41**
